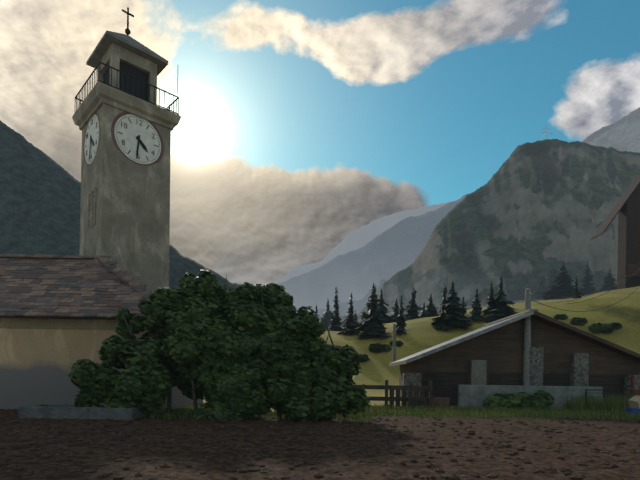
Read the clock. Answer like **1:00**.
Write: **4:31**
